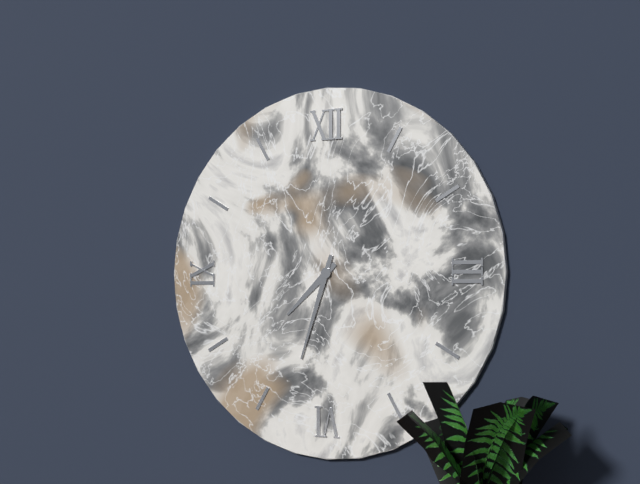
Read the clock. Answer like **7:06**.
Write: **7:33**
